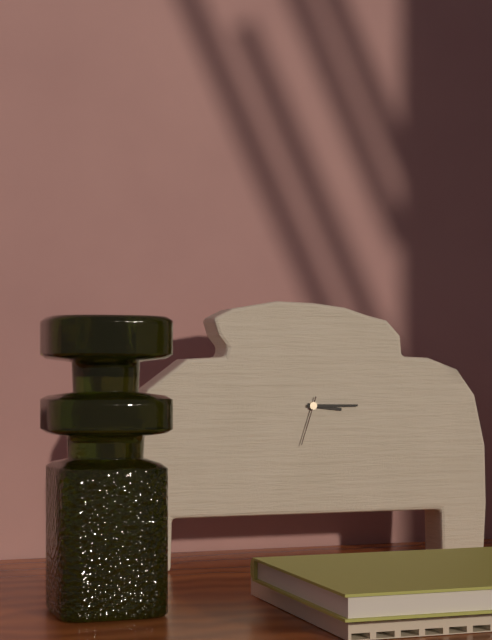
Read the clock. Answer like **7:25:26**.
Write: **3:15:33**
